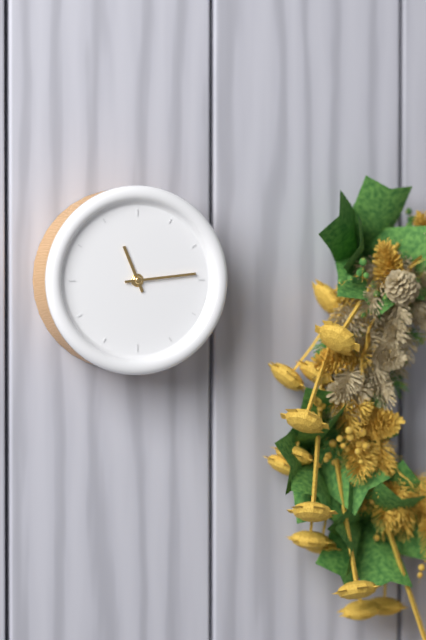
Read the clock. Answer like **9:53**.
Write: **11:14**
